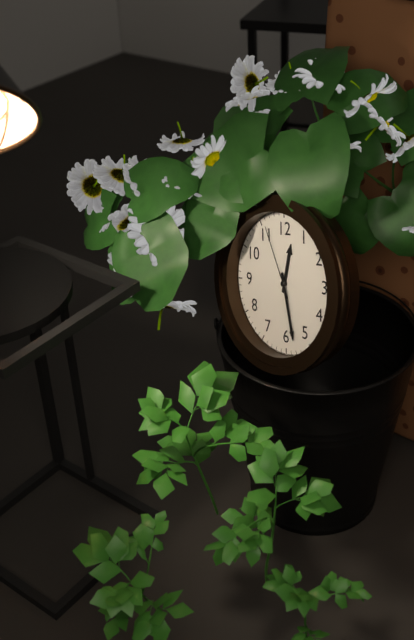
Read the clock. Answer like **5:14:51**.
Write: **12:28:56**
